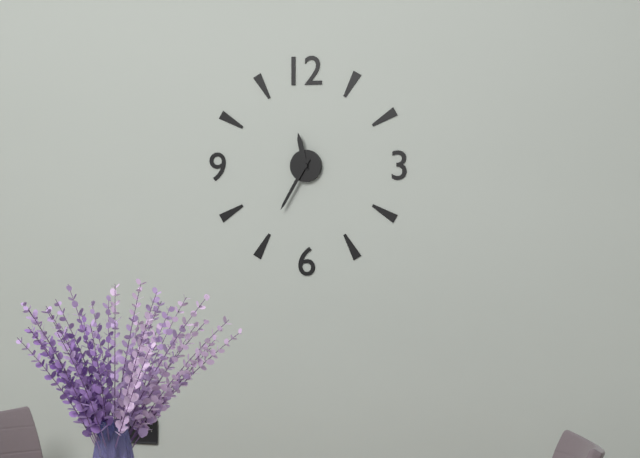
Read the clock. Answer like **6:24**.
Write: **11:35**
